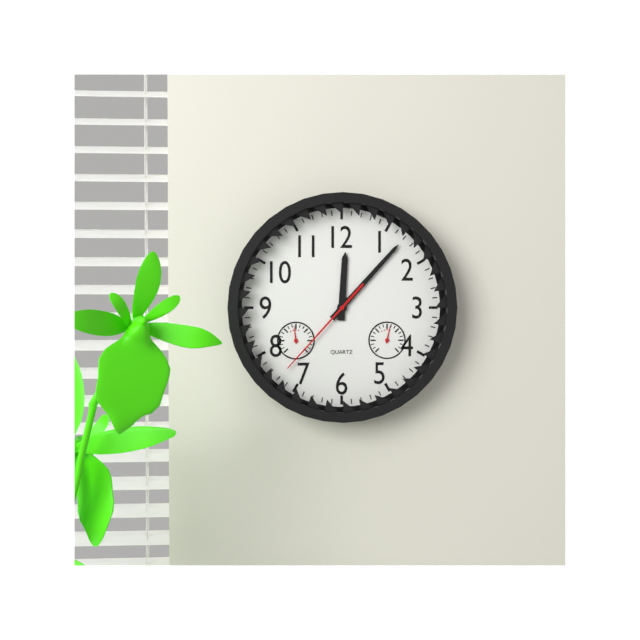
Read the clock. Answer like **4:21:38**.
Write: **12:07:37**
